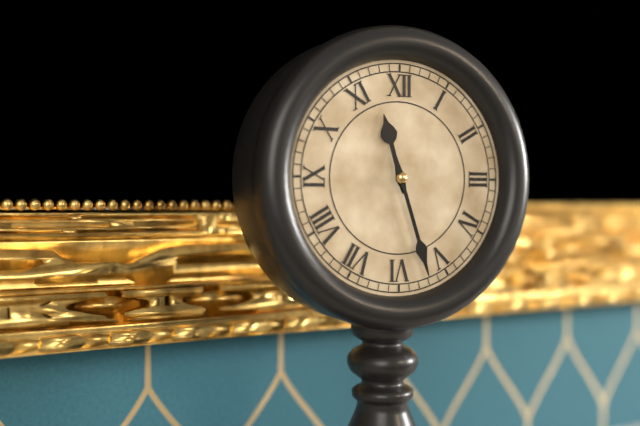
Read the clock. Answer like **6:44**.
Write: **11:27**
